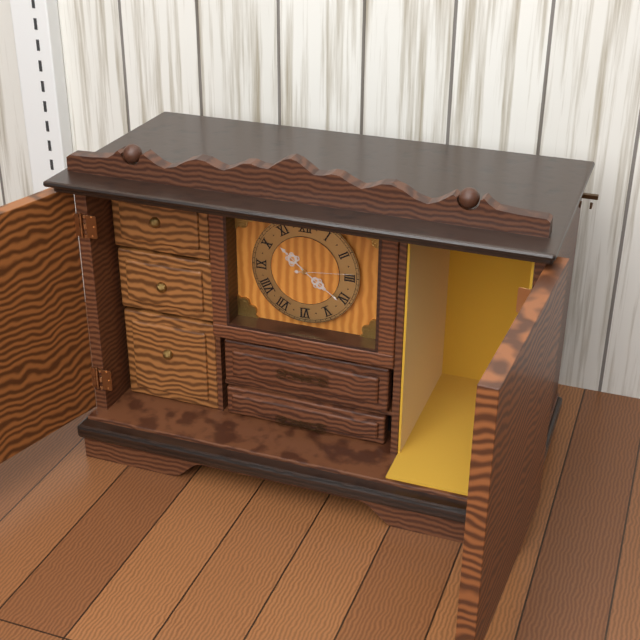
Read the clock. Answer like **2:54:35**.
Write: **10:21:14**
